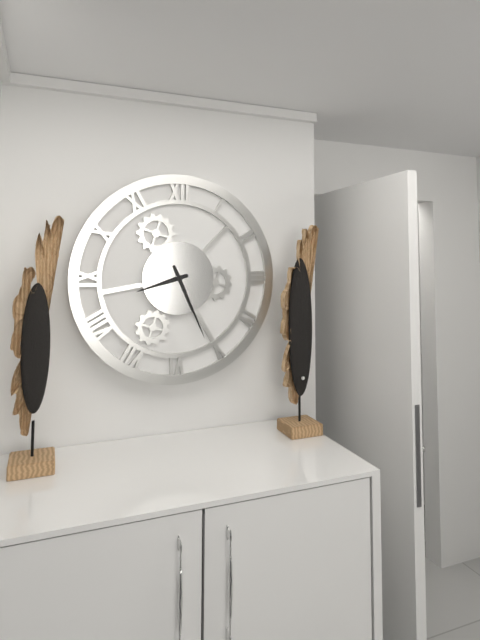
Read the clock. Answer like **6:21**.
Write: **8:26**
